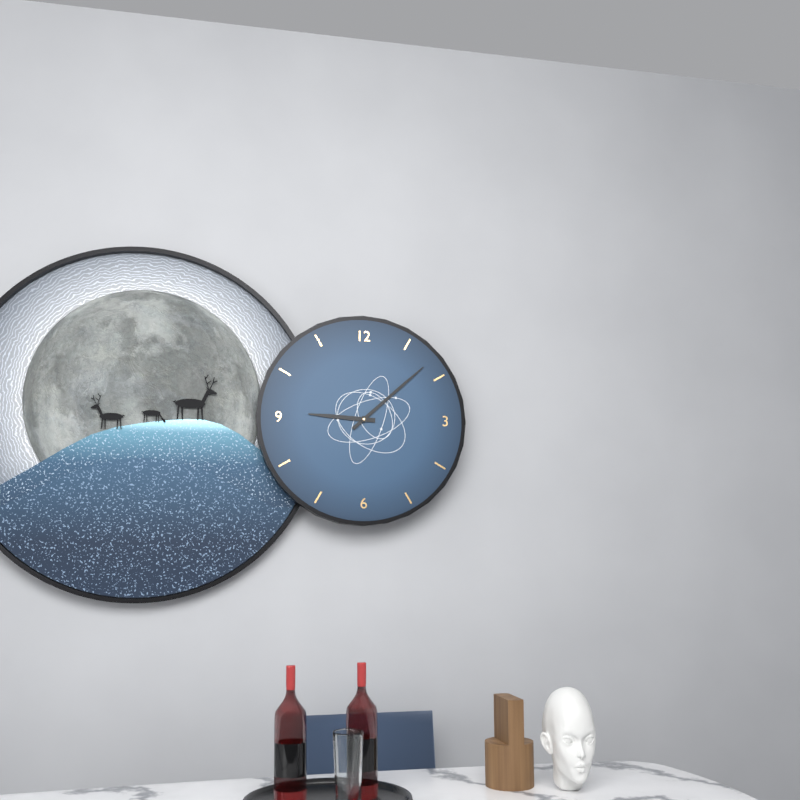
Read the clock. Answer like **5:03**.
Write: **9:08**
